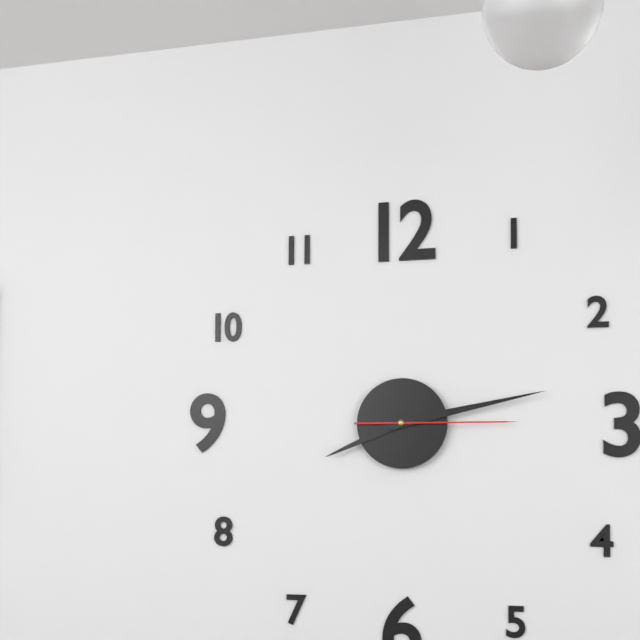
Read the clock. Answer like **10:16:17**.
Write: **8:13:15**
